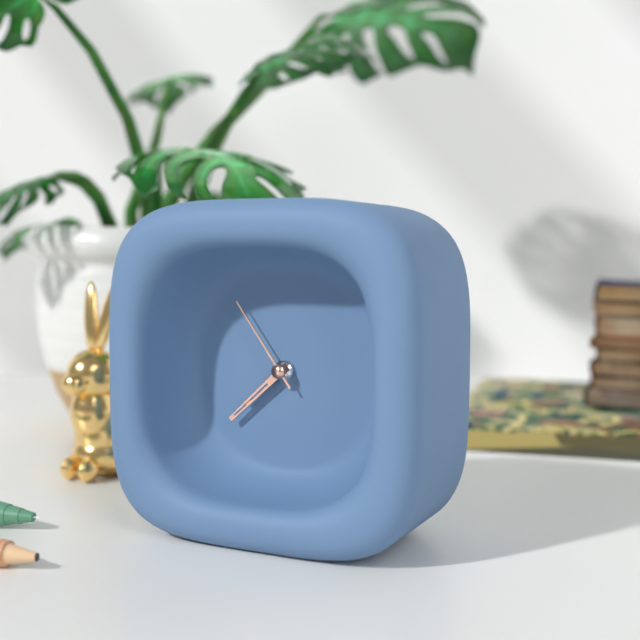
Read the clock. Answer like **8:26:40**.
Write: **7:38:54**
